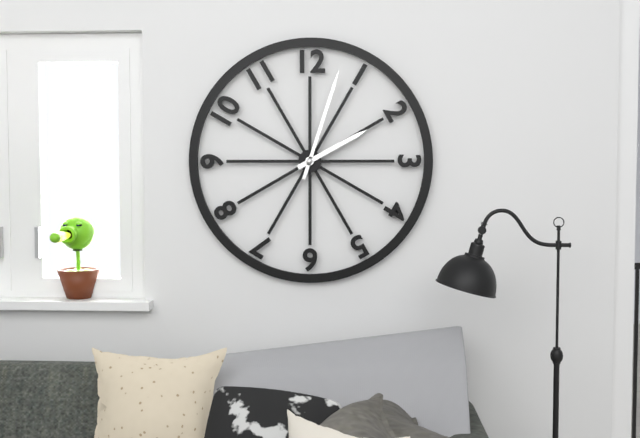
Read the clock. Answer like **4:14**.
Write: **2:03**
